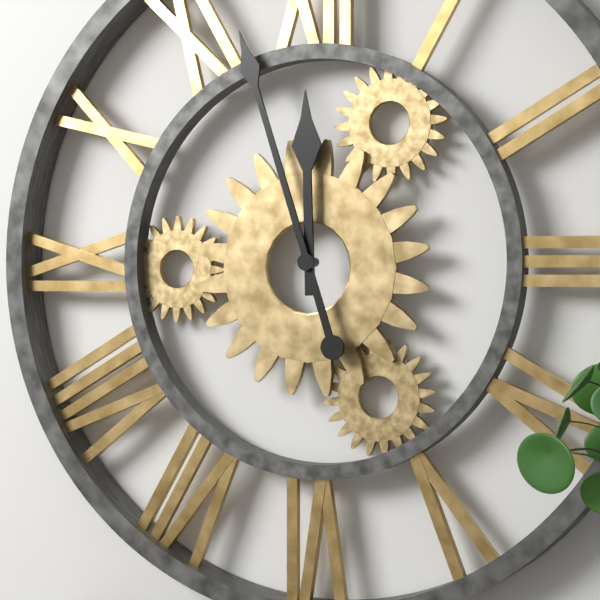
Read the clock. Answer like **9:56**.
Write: **11:57**
